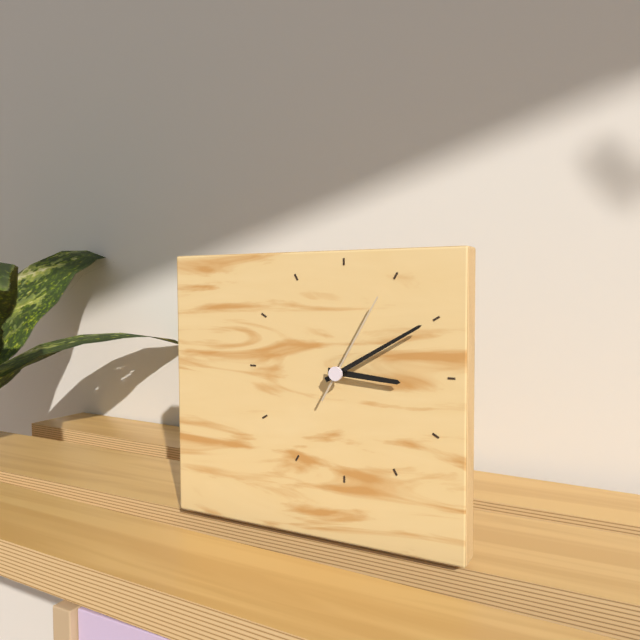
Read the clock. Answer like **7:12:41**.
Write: **3:10:05**
